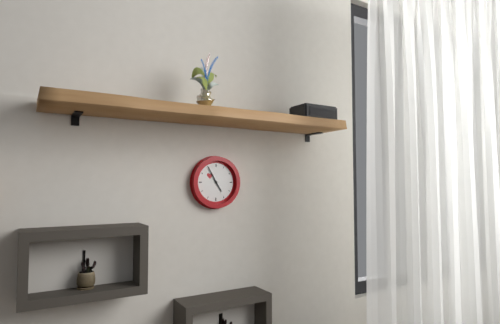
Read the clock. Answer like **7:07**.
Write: **4:55**
